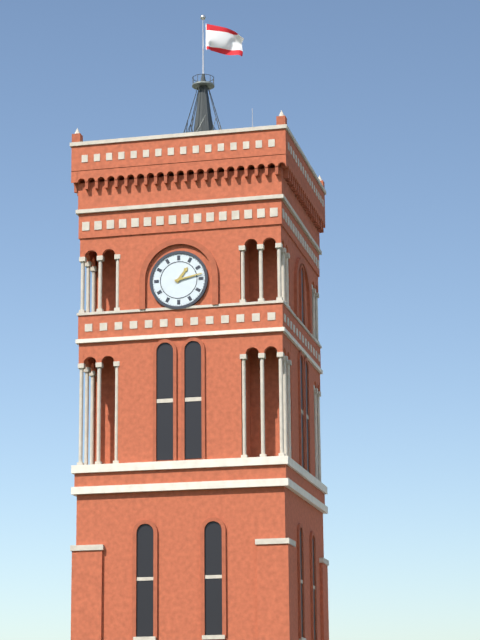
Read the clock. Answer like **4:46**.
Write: **1:13**
